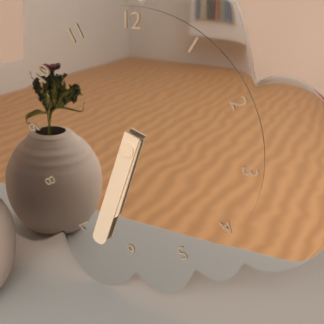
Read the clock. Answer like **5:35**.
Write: **6:33**
